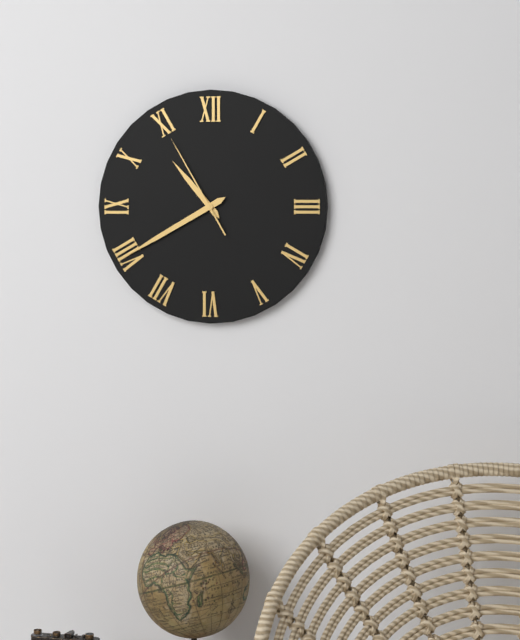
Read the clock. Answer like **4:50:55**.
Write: **10:40:55**
